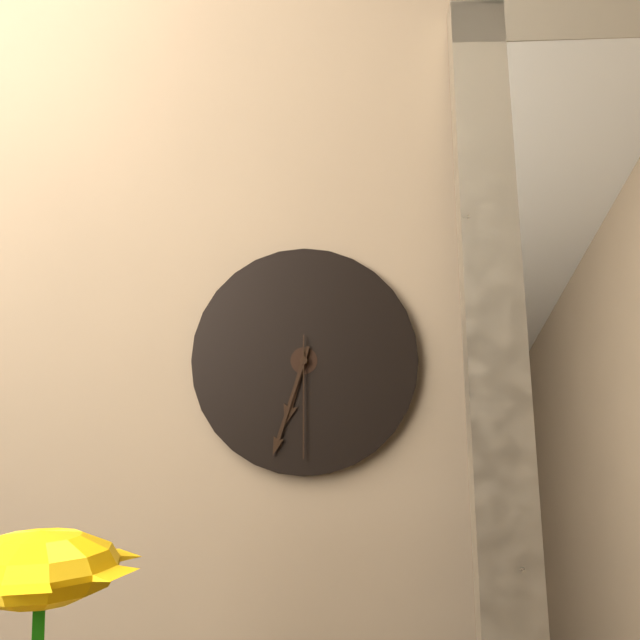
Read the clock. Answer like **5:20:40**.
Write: **6:33:30**
